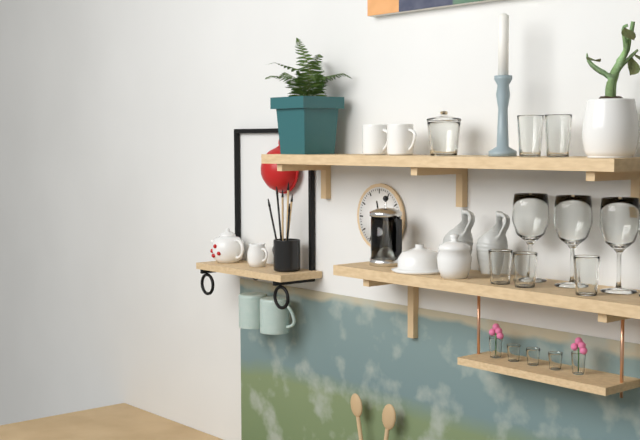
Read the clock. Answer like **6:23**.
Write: **11:35**
